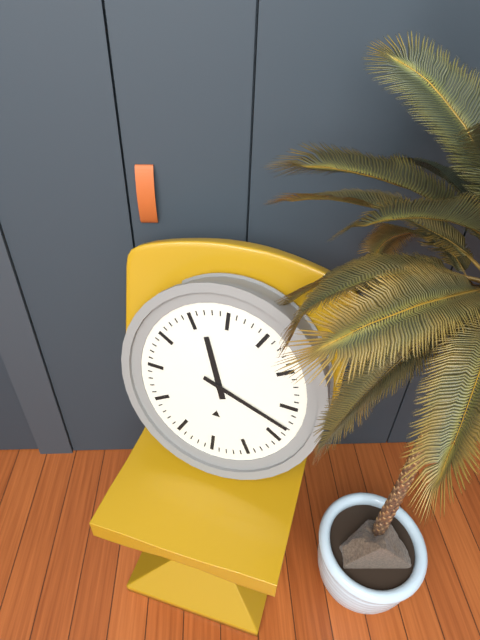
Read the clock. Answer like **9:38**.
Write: **11:18**
